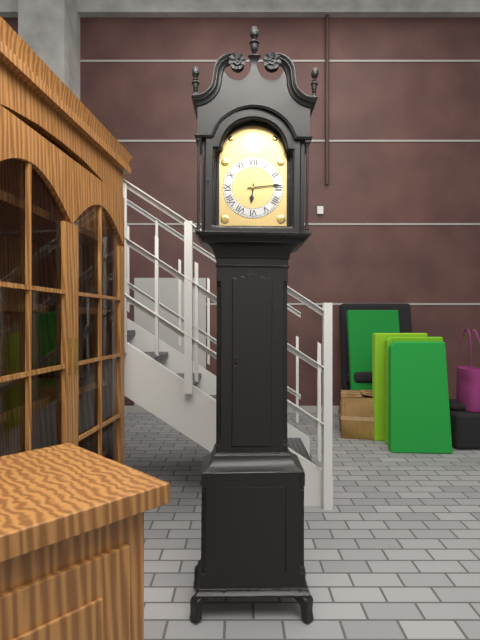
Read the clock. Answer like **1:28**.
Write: **6:14**
